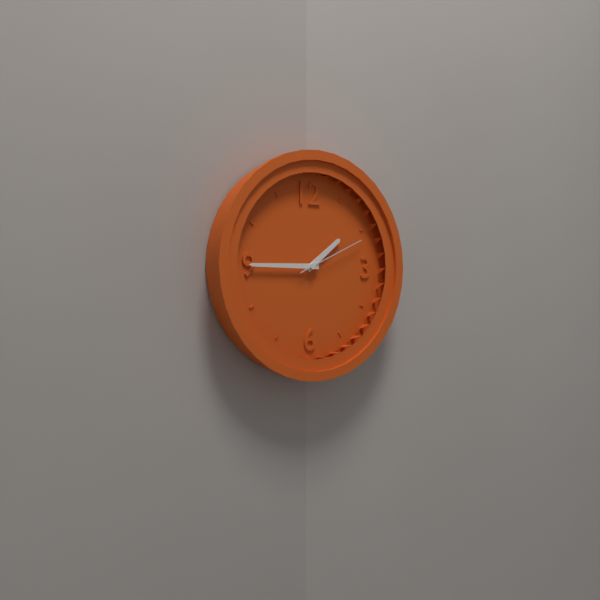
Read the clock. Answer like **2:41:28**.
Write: **1:45:11**
